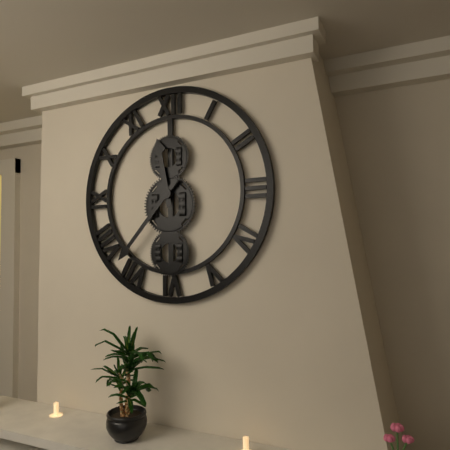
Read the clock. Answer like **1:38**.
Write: **11:37**
